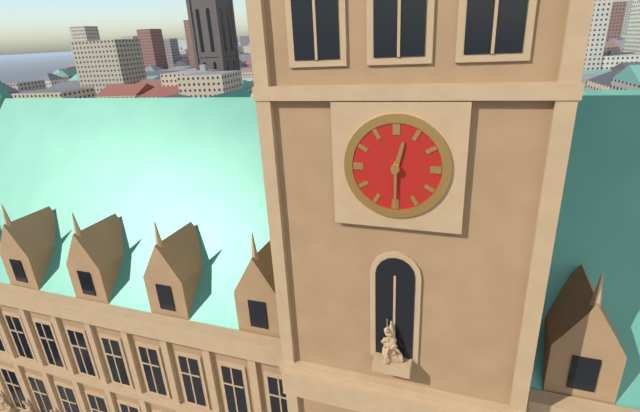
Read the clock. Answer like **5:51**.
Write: **12:30**
